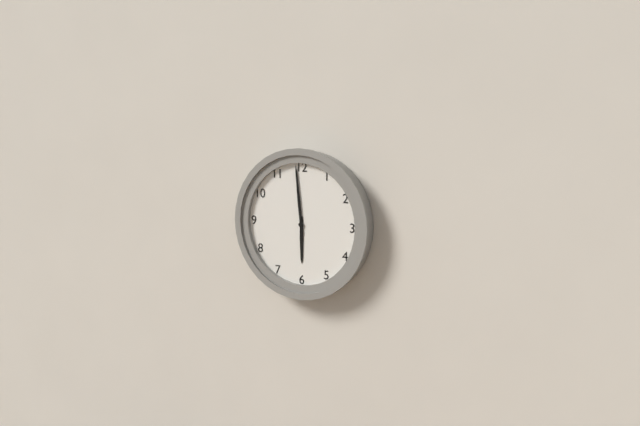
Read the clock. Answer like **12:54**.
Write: **5:59**
